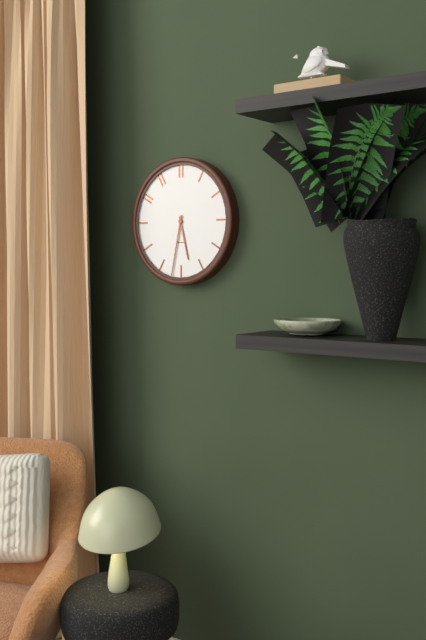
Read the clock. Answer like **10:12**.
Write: **5:32**
